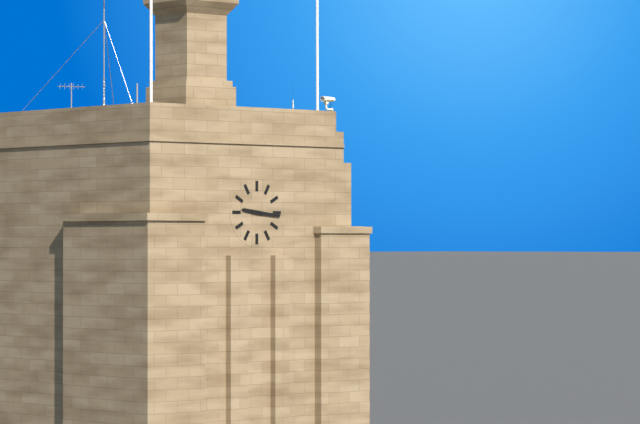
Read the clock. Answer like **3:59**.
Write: **9:16**
